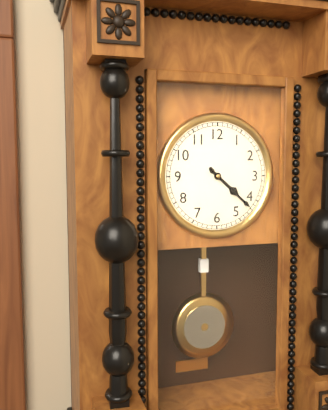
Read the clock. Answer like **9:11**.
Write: **4:22**
